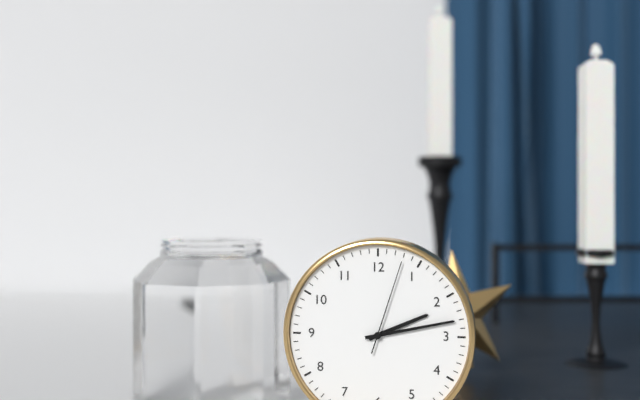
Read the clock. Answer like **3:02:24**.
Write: **2:13:03**
